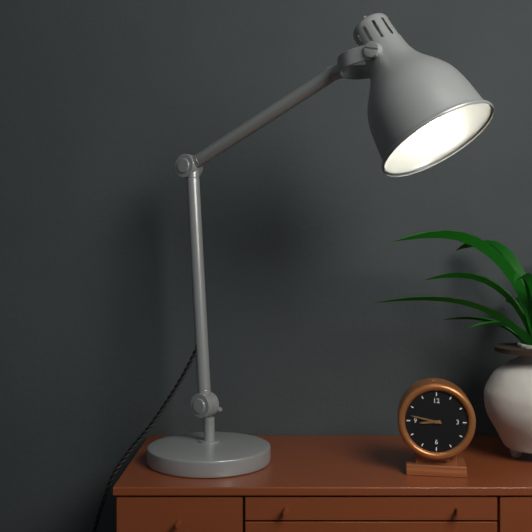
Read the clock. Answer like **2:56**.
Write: **8:47**
